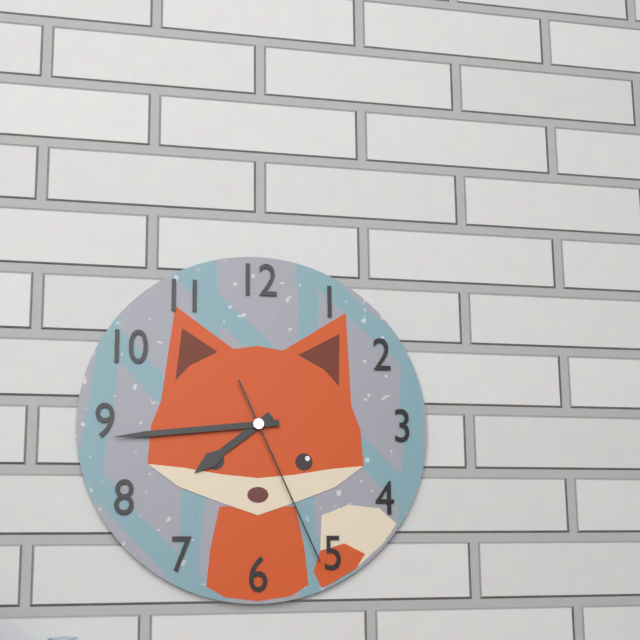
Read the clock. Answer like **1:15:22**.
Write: **7:44:26**
